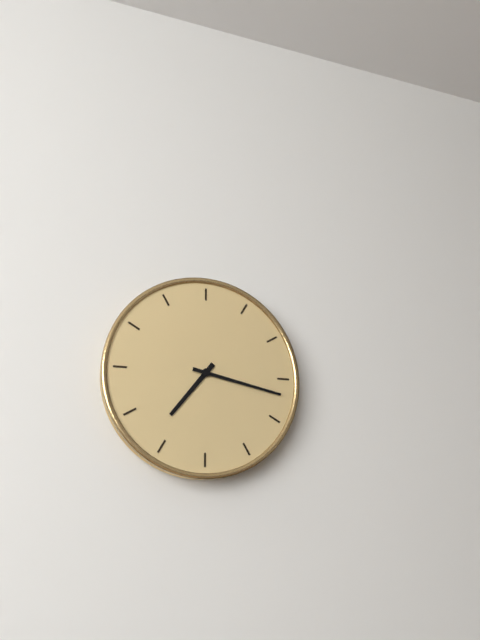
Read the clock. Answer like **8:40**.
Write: **7:17**
